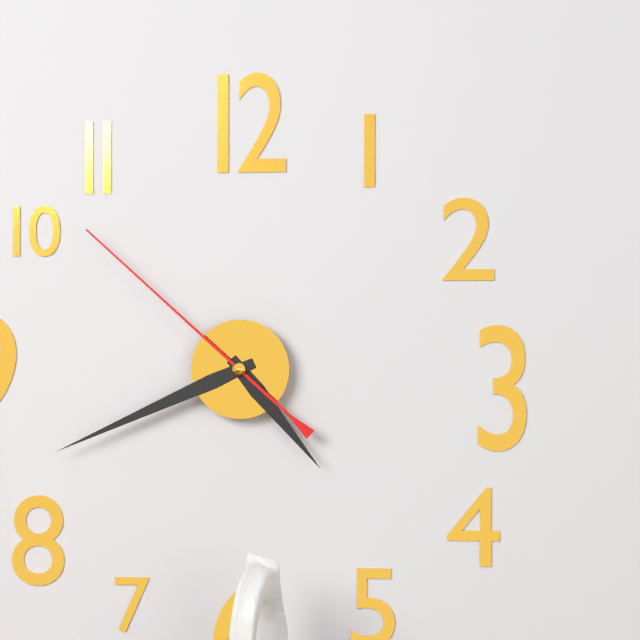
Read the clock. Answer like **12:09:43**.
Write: **4:41:52**
